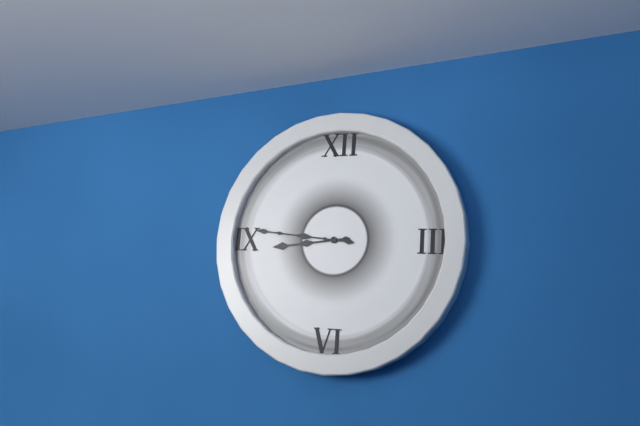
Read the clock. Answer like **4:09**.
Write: **8:46**
